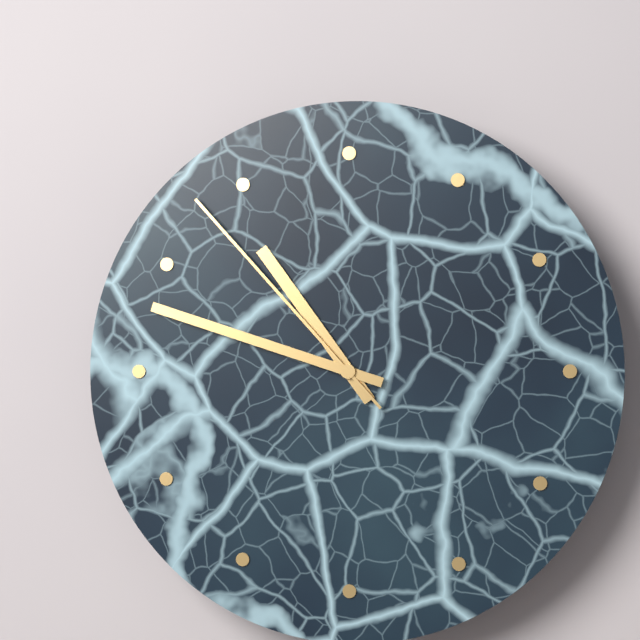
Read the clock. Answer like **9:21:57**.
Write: **10:48:53**
